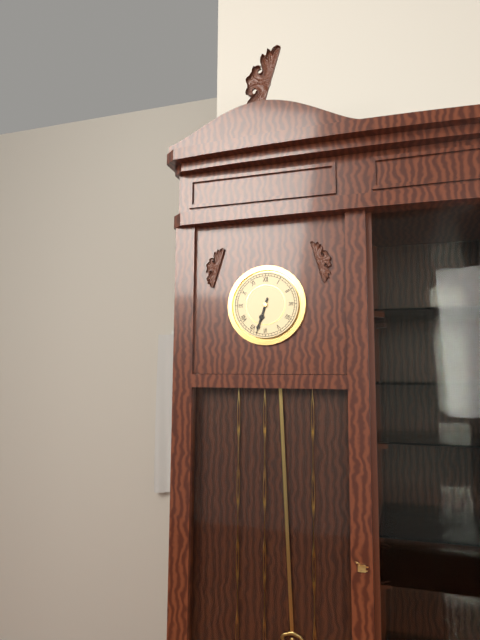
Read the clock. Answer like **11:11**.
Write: **6:33**
